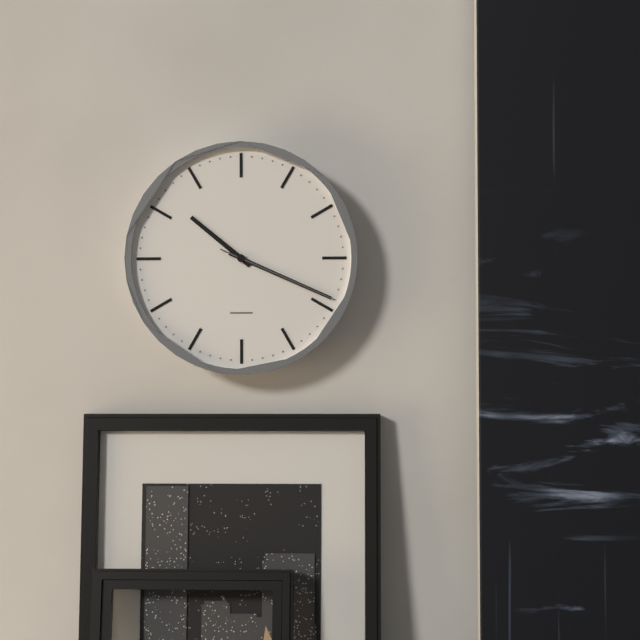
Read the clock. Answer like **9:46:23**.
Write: **10:19:19**
